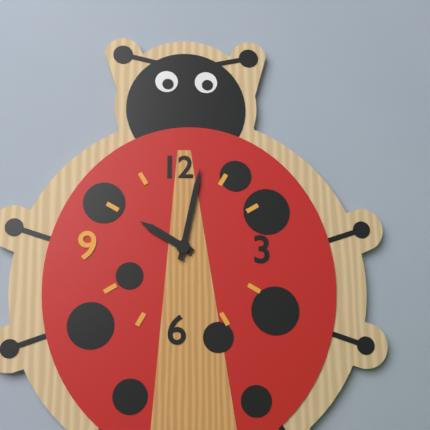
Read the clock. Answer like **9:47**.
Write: **10:02**
